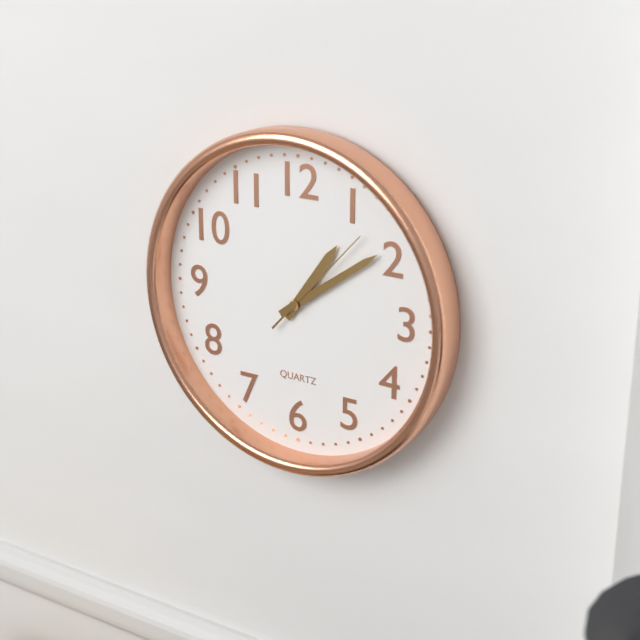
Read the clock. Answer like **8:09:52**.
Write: **1:09:07**
